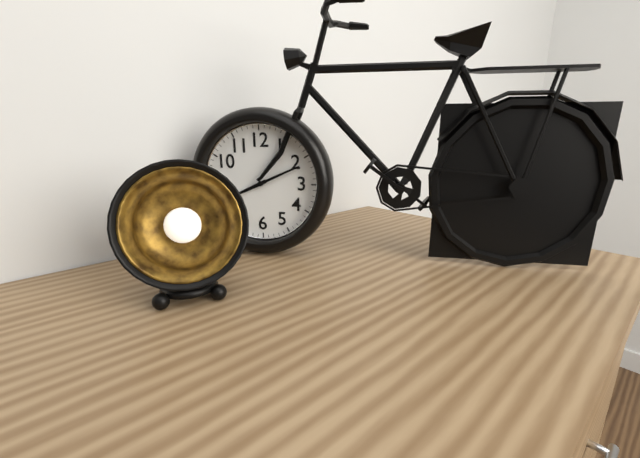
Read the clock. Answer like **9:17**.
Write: **8:11**
